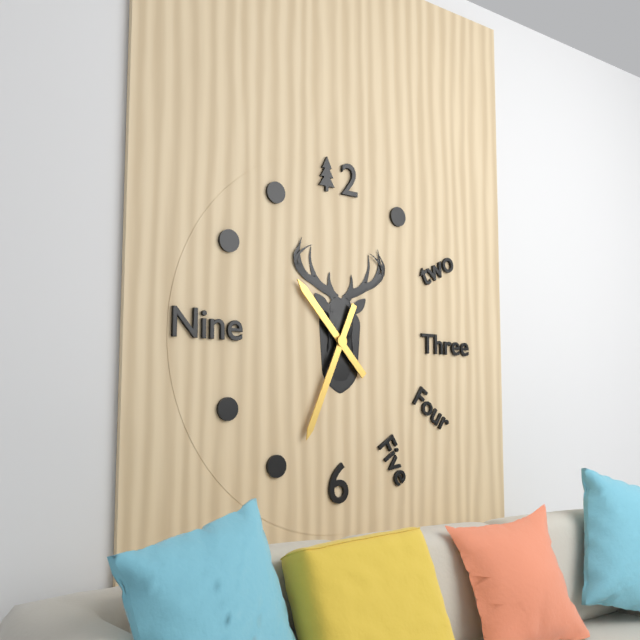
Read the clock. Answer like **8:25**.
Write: **10:34**
